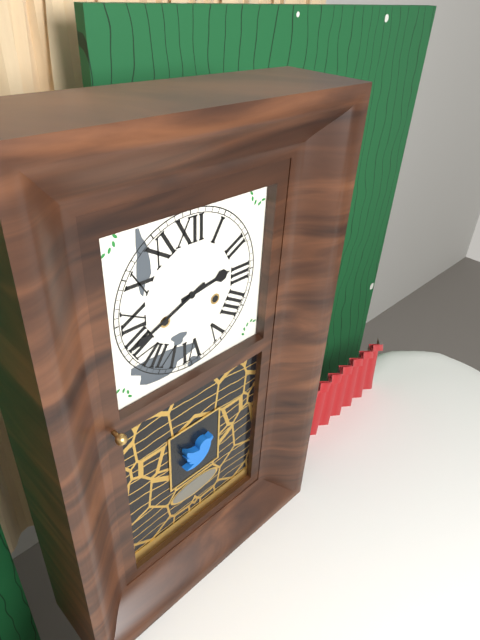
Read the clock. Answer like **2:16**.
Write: **2:41**
